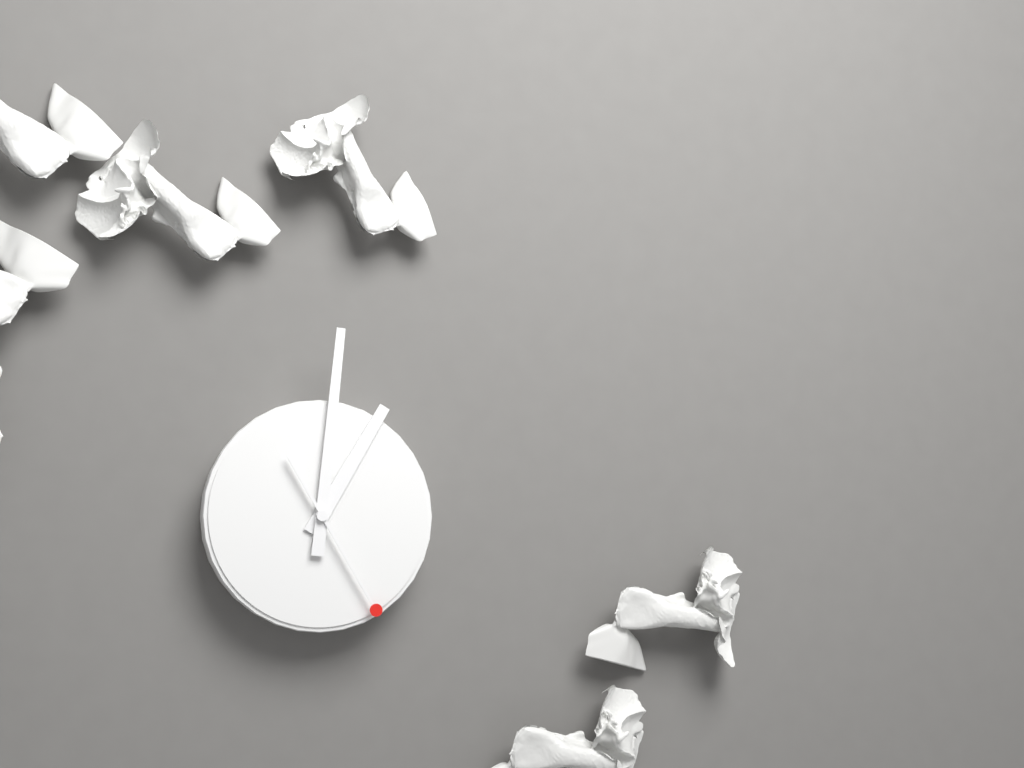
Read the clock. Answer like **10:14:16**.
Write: **1:01:25**
